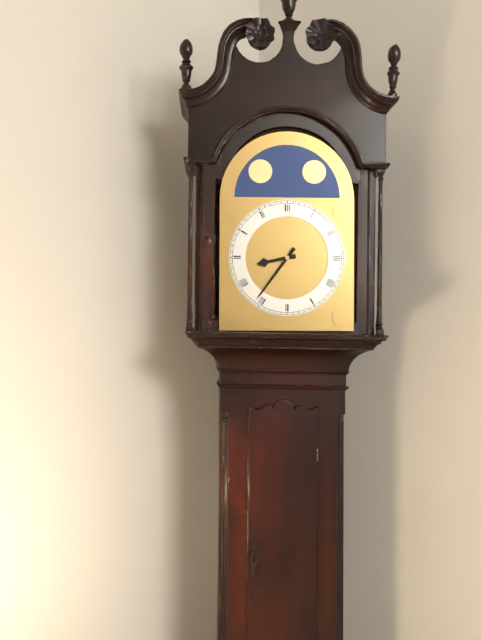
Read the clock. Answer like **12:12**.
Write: **8:36**
